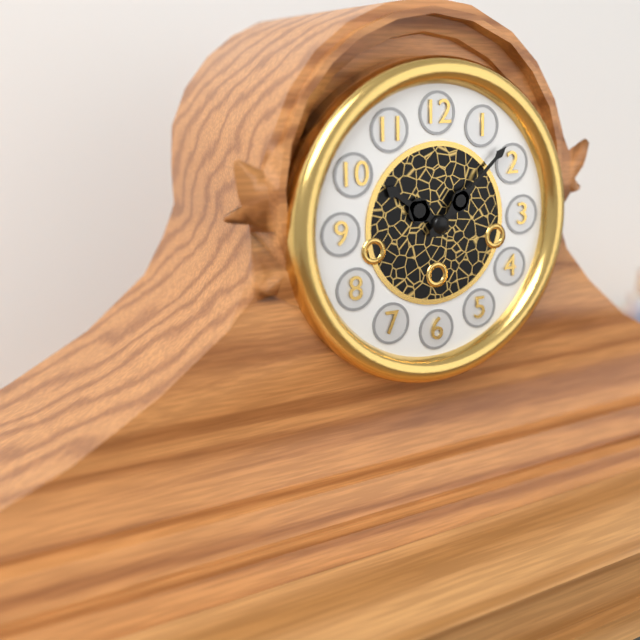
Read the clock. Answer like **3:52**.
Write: **10:08**
